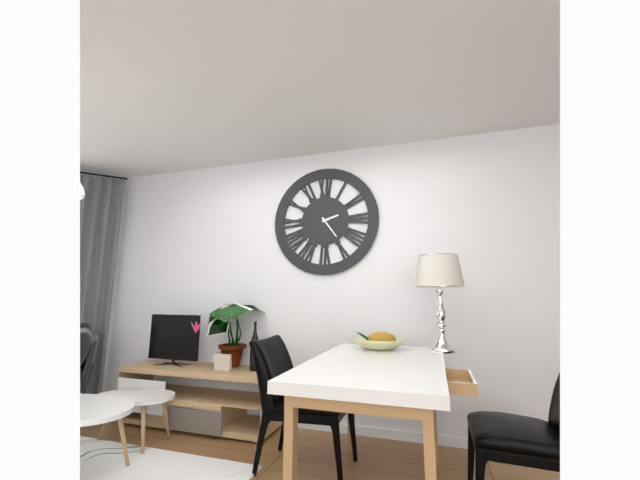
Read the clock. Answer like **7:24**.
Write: **2:24**
